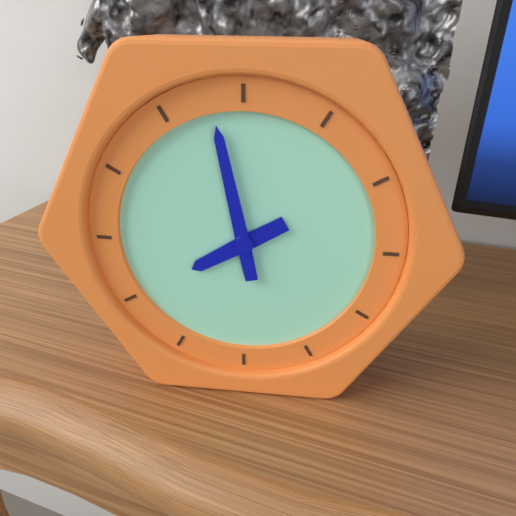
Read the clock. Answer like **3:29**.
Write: **7:58**
